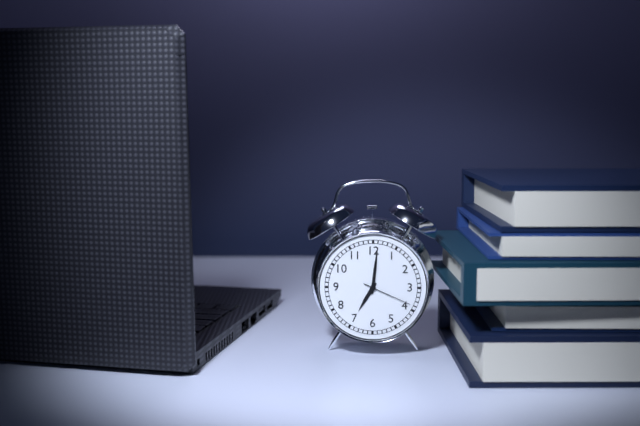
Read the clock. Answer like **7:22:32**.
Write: **7:01:19**
